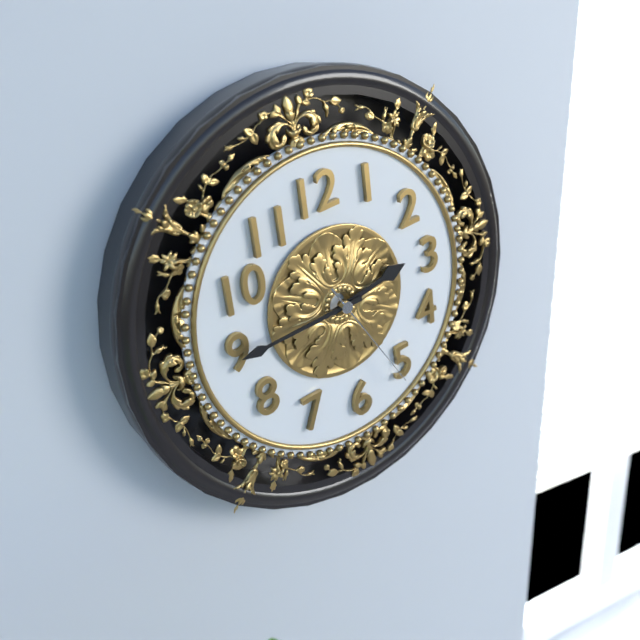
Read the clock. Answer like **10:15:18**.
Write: **2:45:26**
